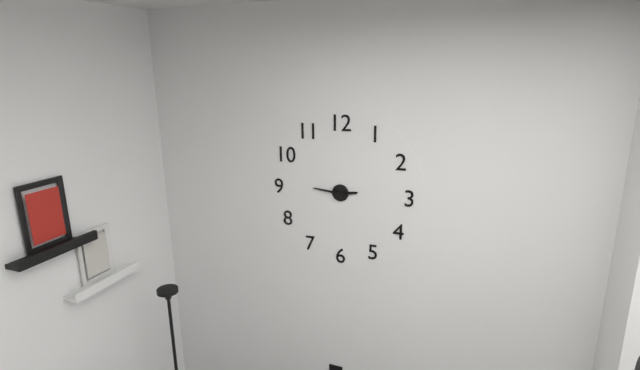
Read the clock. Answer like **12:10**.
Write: **2:46**
